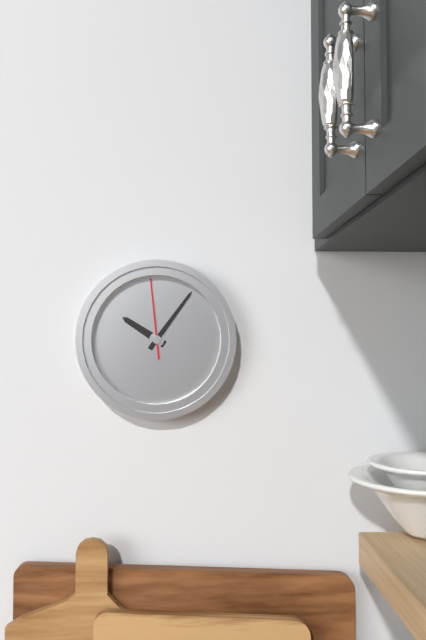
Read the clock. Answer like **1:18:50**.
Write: **10:06:59**
